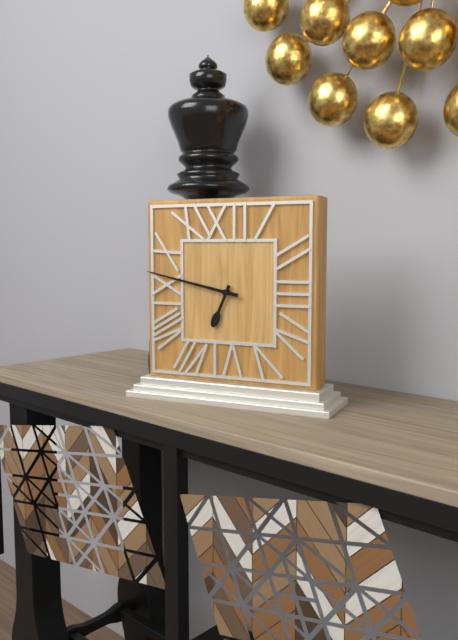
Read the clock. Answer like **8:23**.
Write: **6:47**
